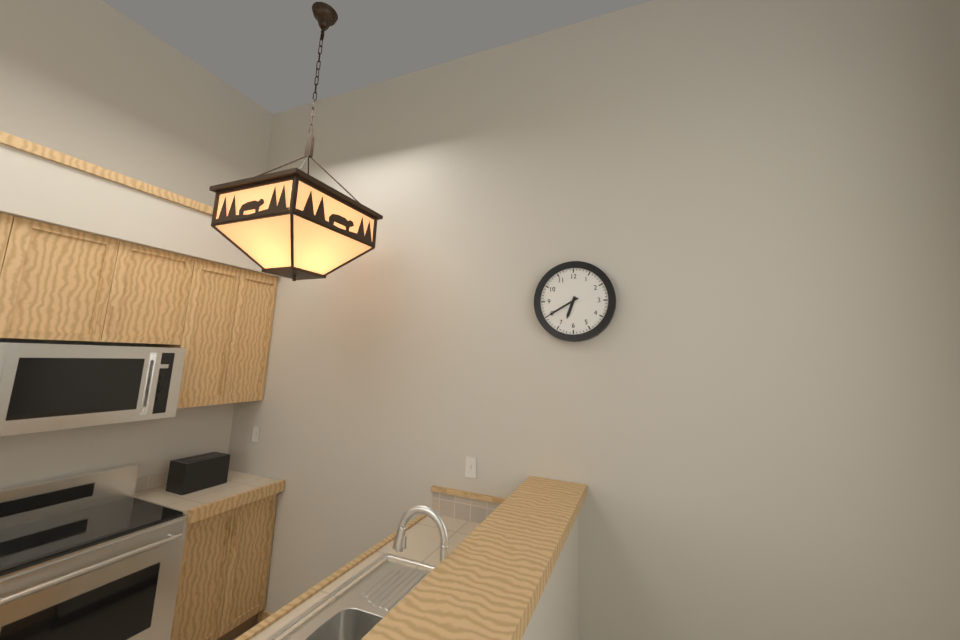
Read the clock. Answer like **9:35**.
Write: **6:40**
